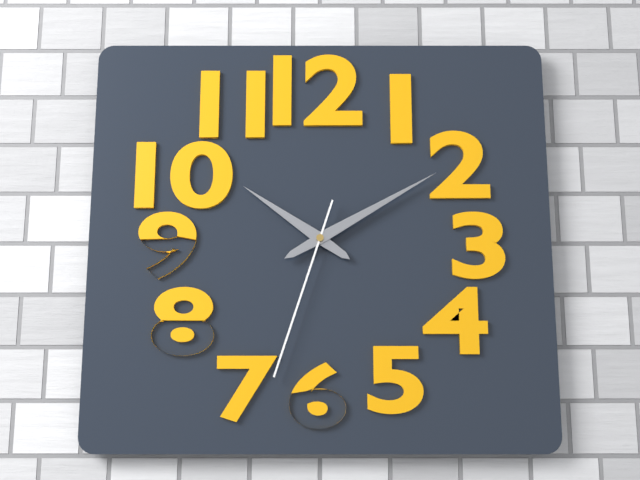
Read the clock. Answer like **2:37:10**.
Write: **10:10:33**
